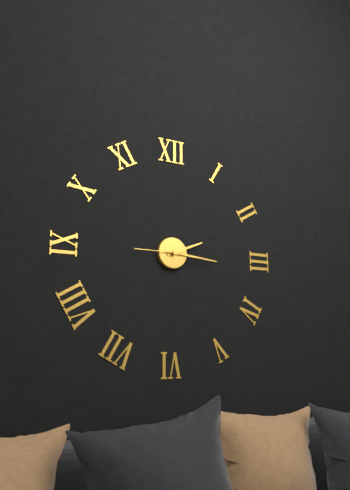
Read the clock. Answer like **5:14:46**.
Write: **2:16:45**
